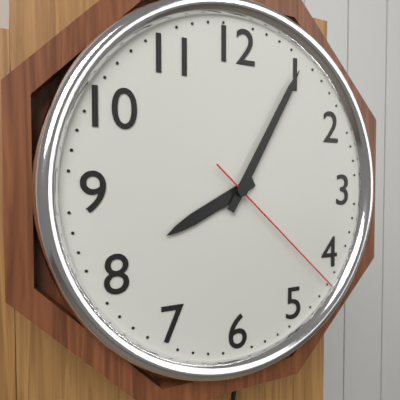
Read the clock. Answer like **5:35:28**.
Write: **8:05:22**
